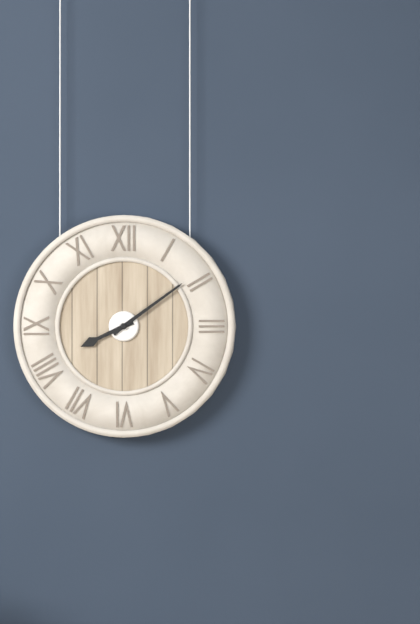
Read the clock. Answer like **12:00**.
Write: **8:09**
